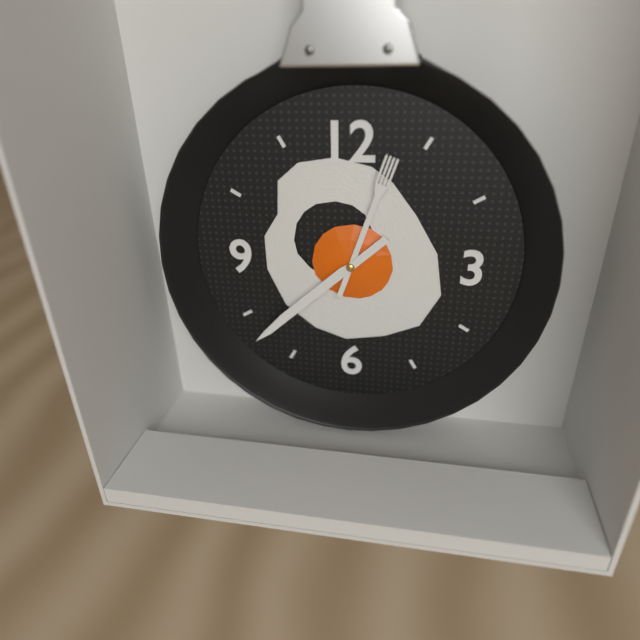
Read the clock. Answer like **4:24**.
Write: **12:38**
